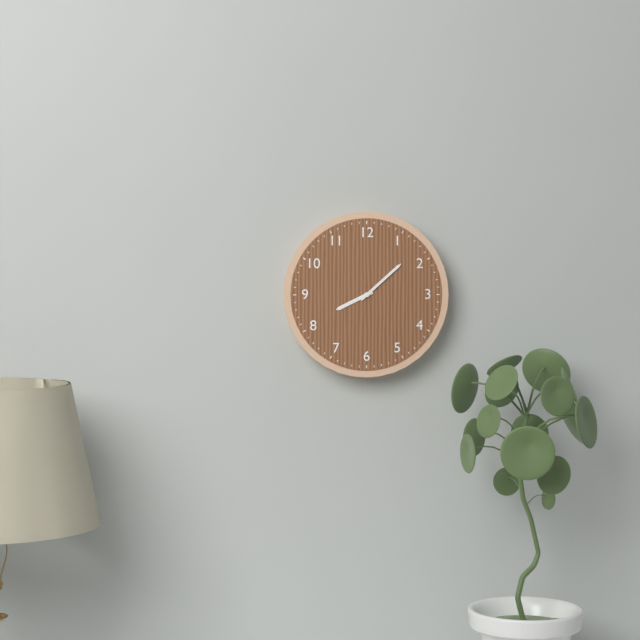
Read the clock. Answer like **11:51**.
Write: **8:08**
